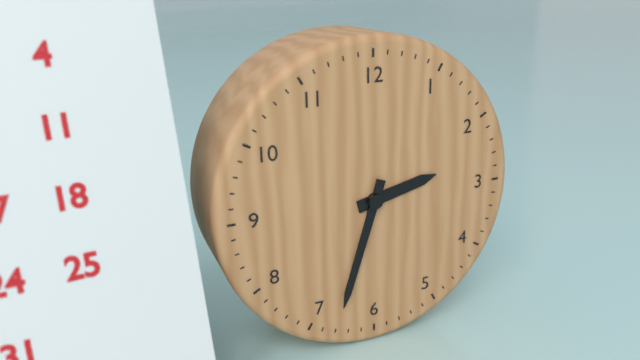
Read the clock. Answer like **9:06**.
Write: **2:33**
